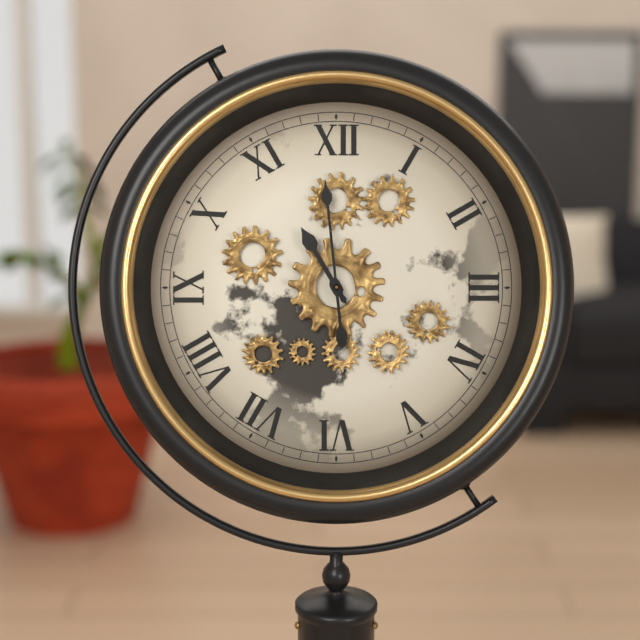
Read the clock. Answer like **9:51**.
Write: **10:59**
